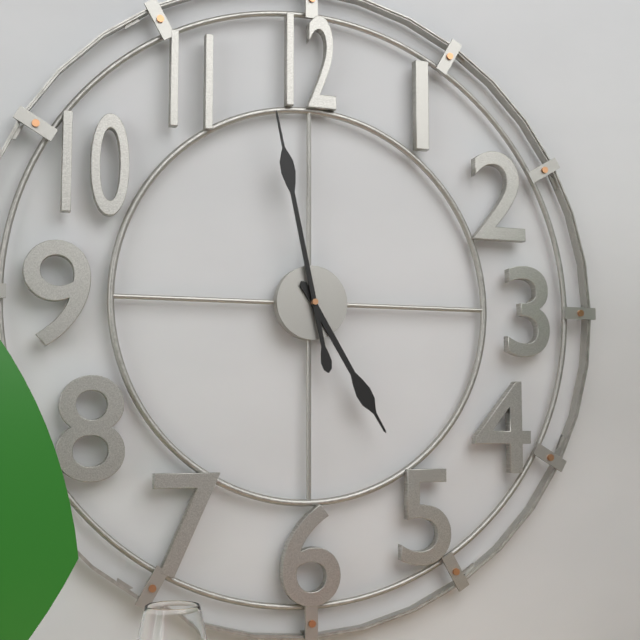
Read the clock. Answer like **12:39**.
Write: **4:58**
